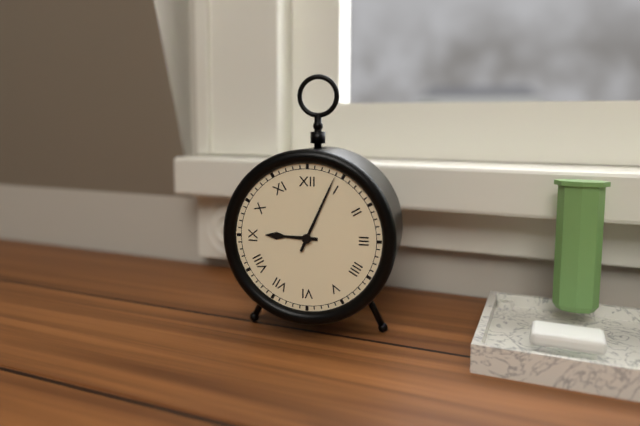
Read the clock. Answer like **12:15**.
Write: **9:04**
